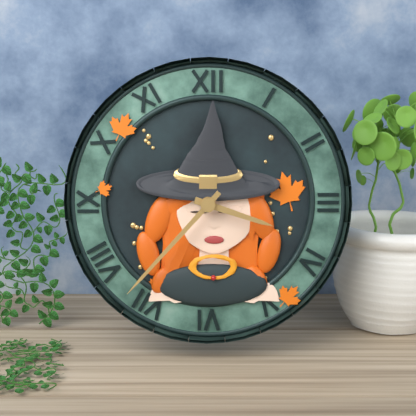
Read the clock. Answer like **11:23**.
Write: **3:37**
